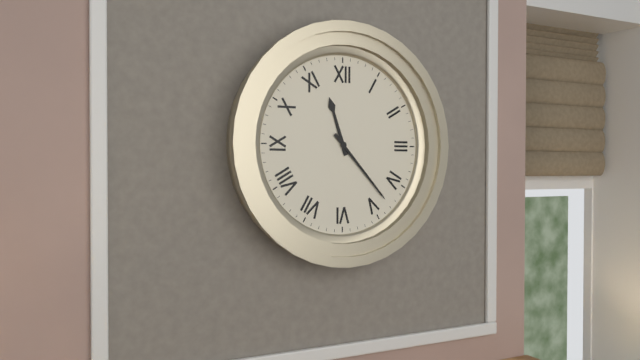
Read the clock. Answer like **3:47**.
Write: **11:23**
